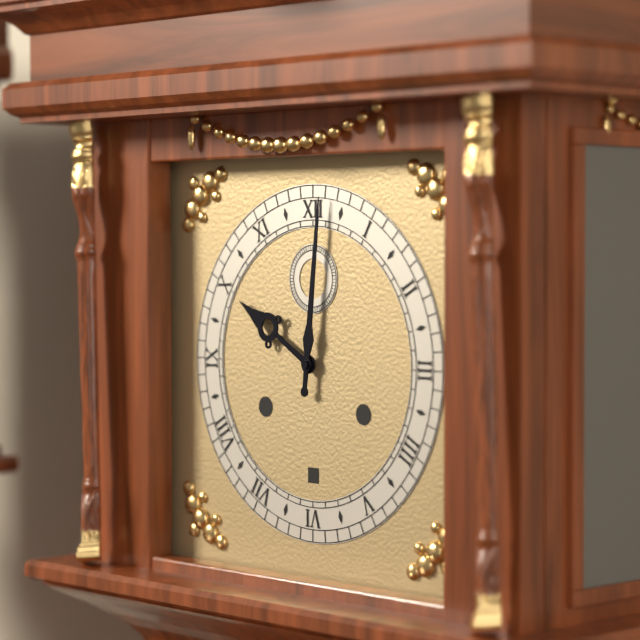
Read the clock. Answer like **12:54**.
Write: **10:01**
